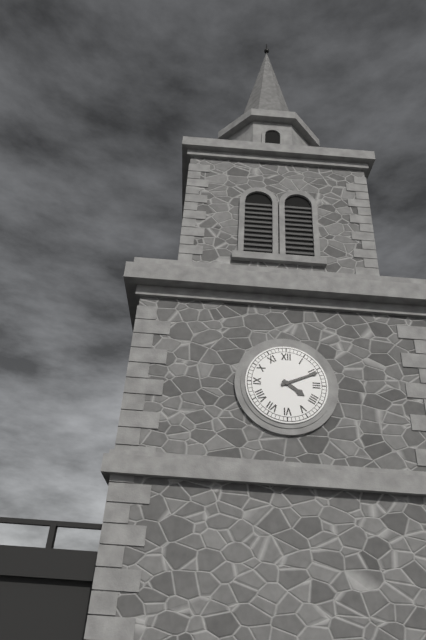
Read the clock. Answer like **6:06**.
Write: **4:11**
